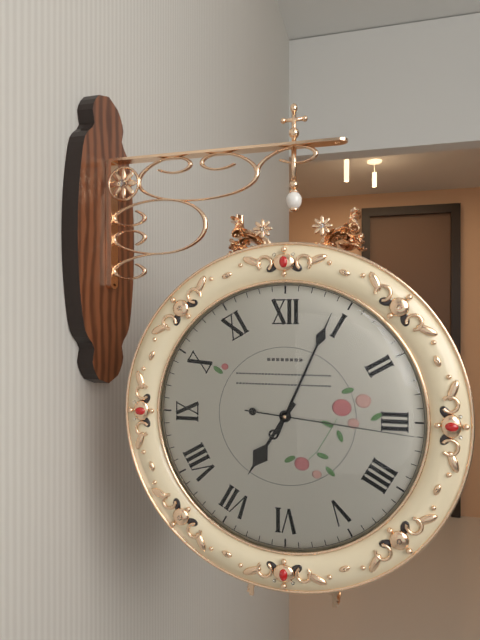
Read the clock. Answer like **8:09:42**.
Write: **7:04:16**
